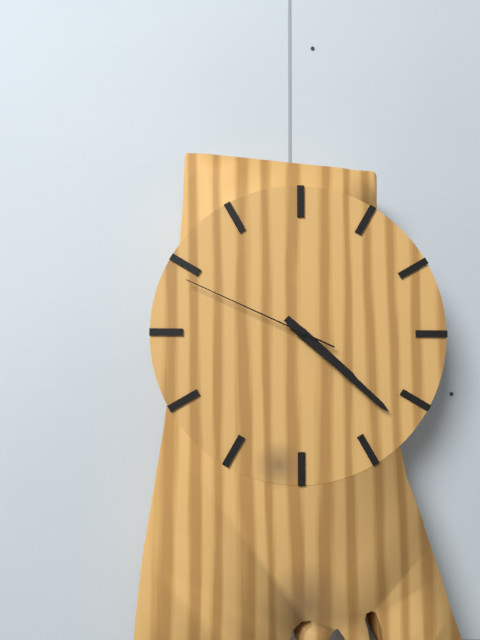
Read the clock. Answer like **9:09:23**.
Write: **4:22:49**
